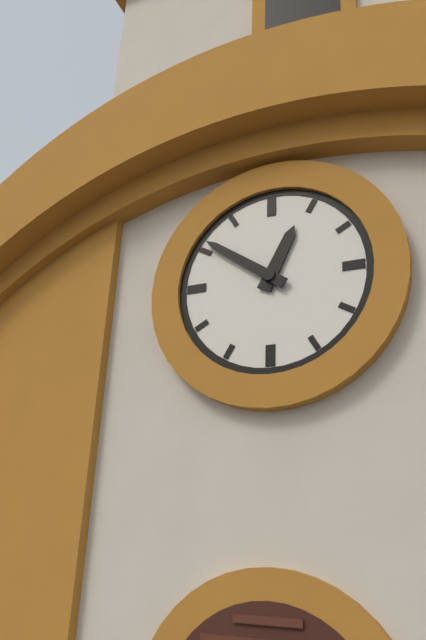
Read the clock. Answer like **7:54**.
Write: **12:51**
